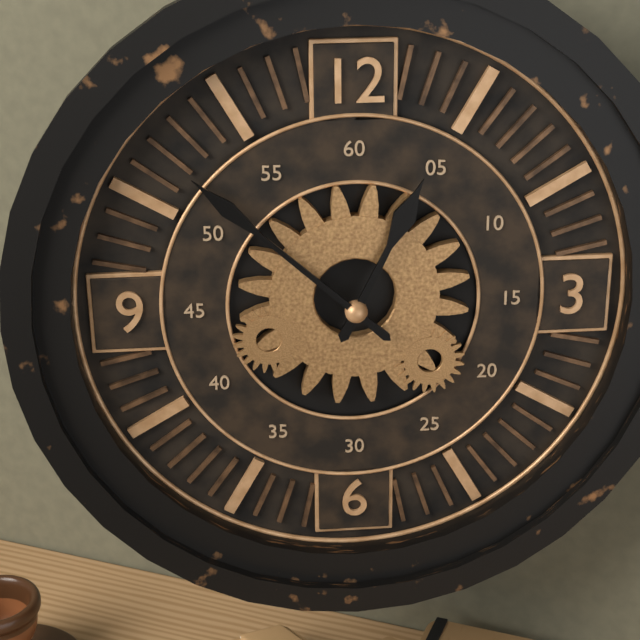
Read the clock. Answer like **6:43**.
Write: **12:52**
